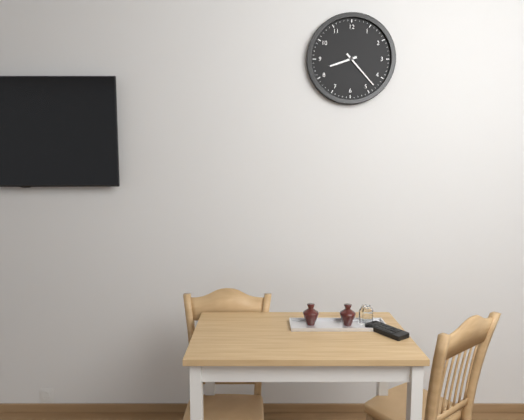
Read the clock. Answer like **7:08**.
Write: **8:23**
